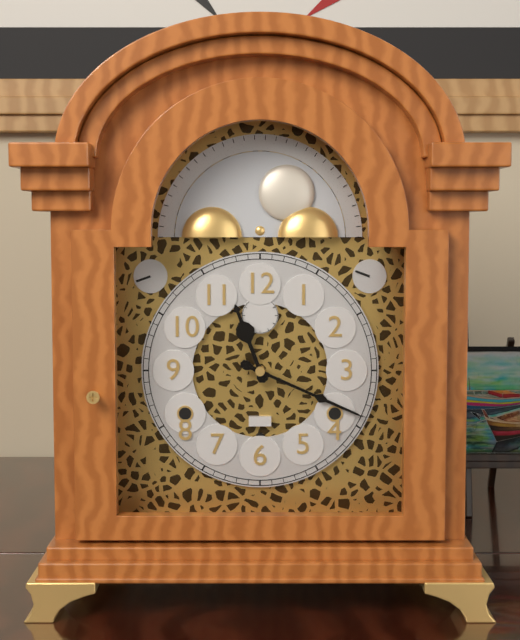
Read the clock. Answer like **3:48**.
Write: **11:19**
